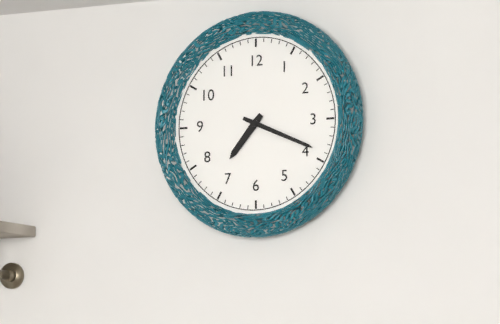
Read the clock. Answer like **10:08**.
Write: **7:19**
